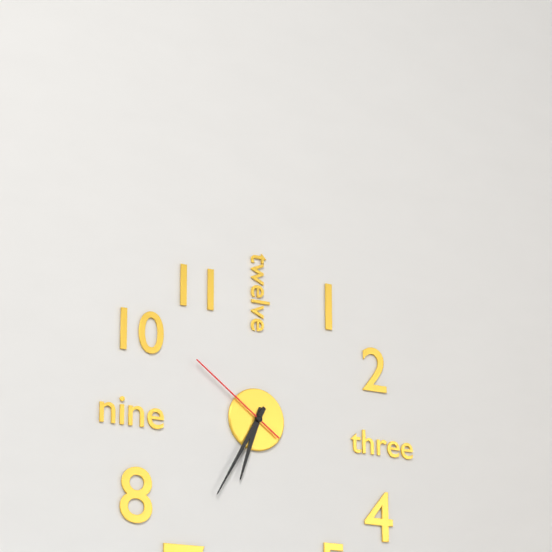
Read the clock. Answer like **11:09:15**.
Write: **6:35:51**
